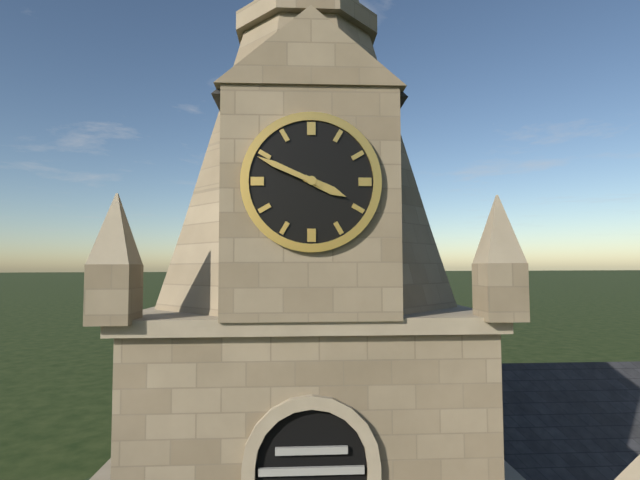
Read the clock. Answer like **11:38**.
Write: **3:49**
